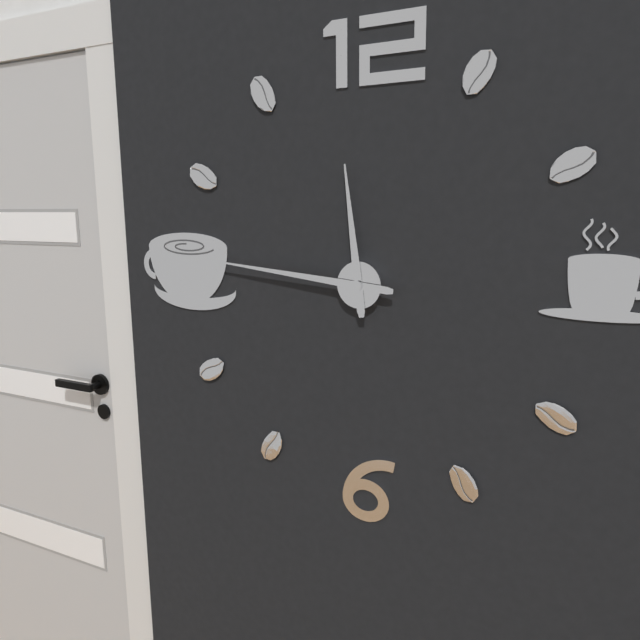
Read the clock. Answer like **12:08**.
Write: **11:46**
